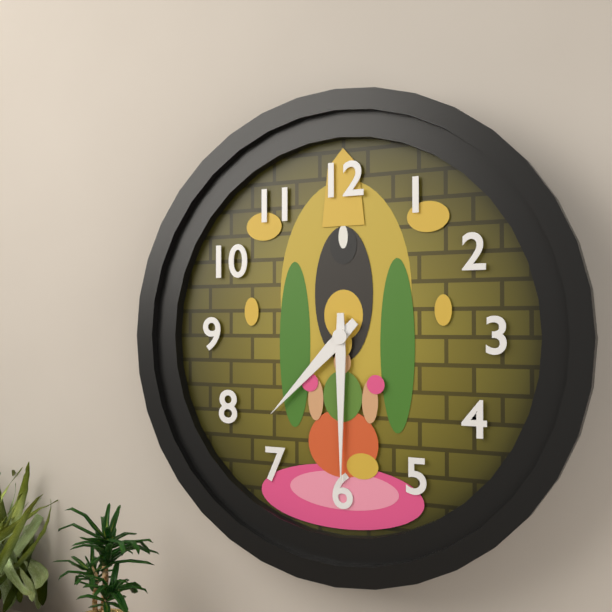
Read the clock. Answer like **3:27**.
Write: **7:30**
